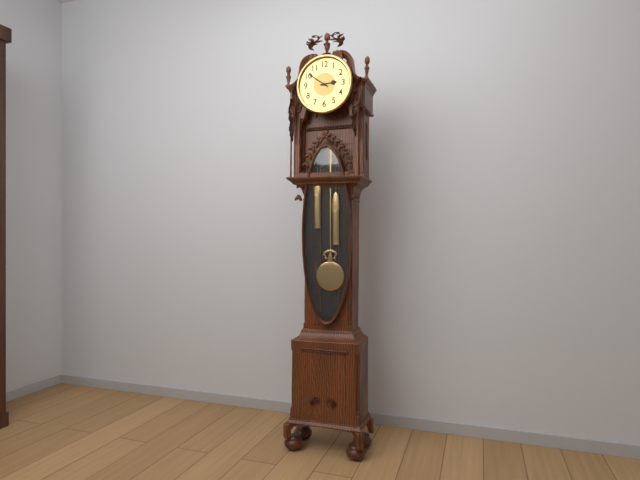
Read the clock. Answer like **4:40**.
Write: **2:51**
